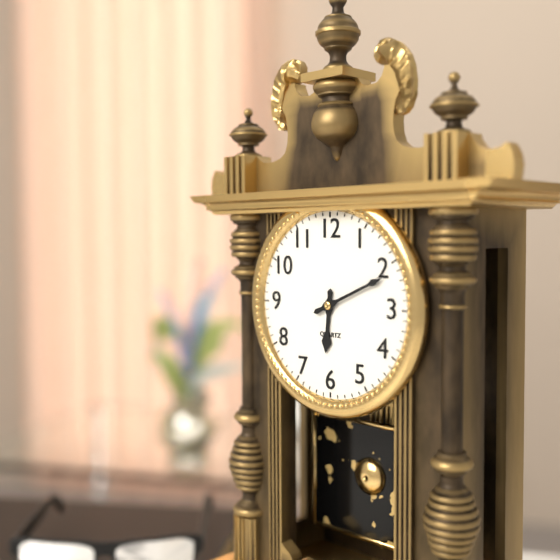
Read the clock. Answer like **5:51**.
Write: **6:11**
